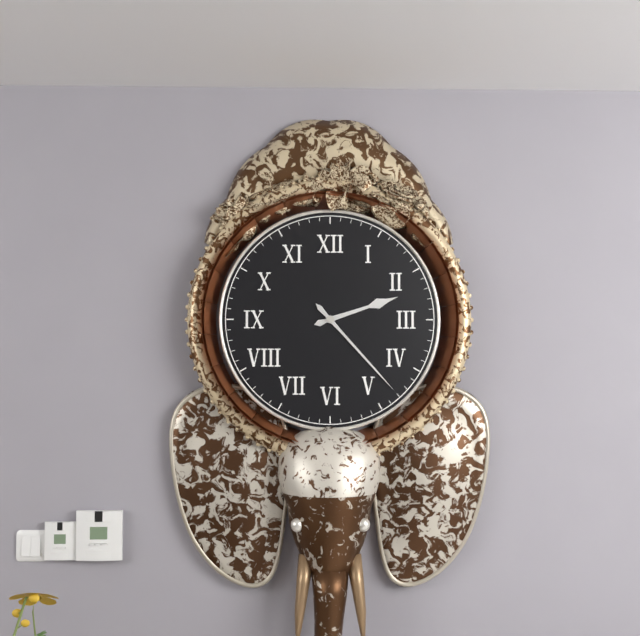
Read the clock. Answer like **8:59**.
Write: **2:23**
